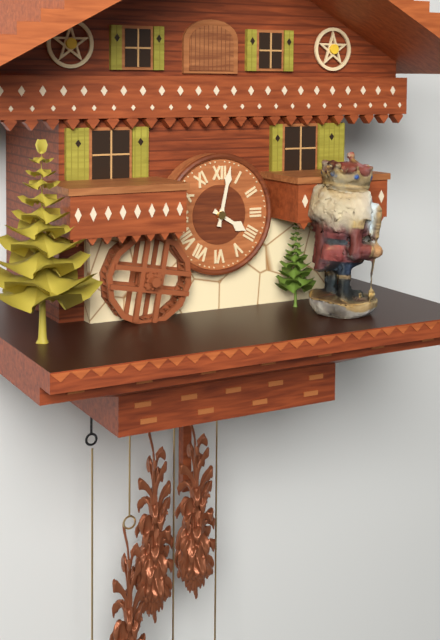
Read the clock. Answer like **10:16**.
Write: **4:02**
